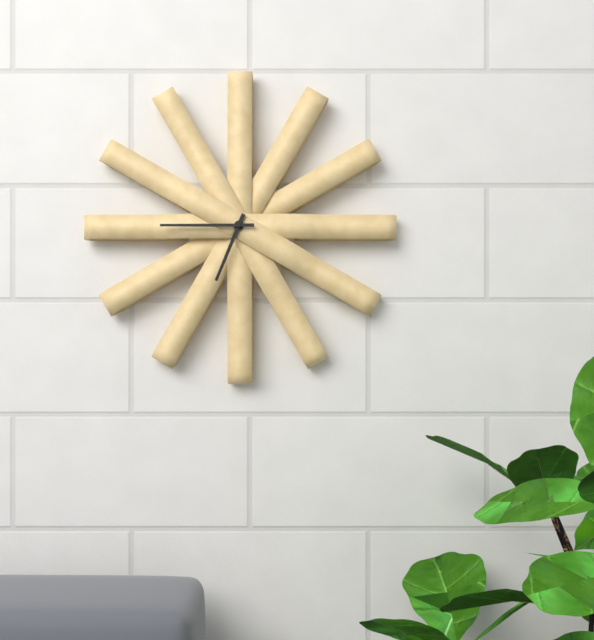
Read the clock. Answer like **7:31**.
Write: **6:45**
